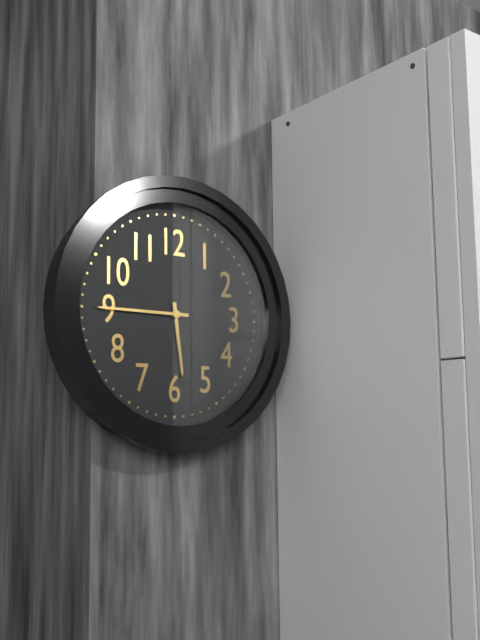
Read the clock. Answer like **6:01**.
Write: **5:45**
